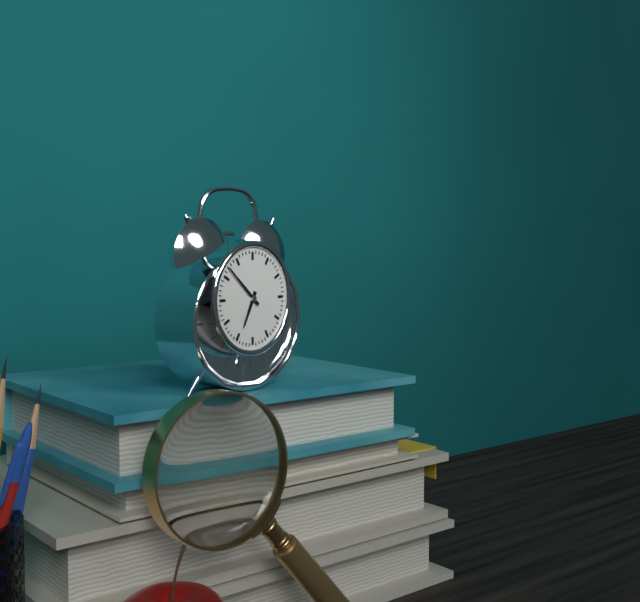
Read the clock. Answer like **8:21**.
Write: **6:52**
